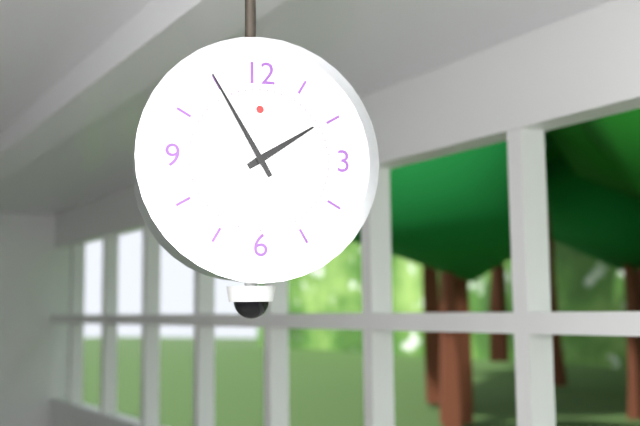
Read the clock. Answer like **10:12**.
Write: **1:55**
